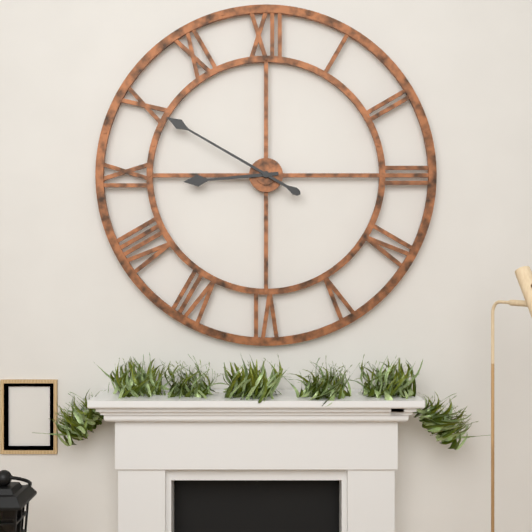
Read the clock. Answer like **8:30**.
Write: **8:50**
